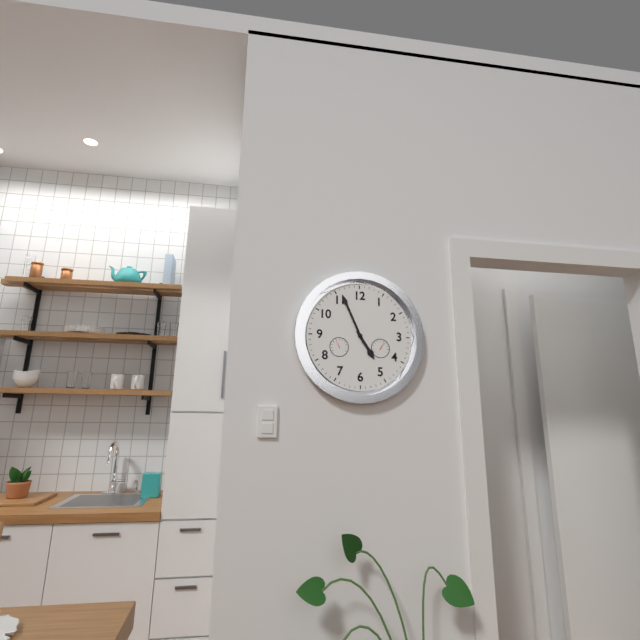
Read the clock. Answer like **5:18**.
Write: **4:56**
